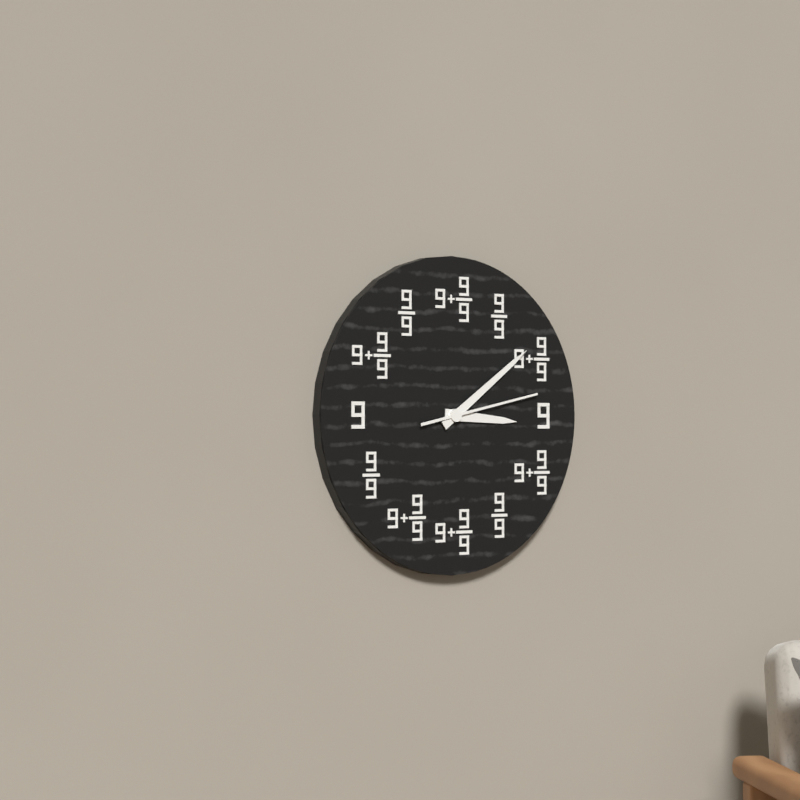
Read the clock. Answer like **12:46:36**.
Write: **3:09:13**
